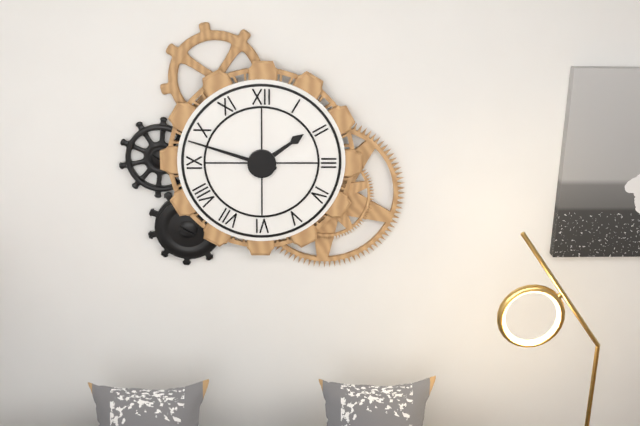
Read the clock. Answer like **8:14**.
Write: **1:48**
